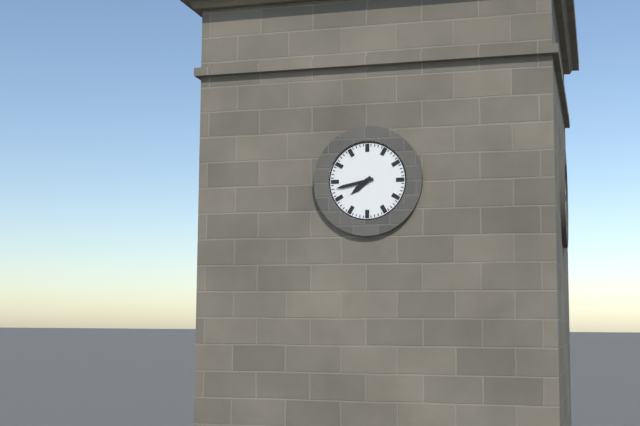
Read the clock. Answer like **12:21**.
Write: **7:43**
